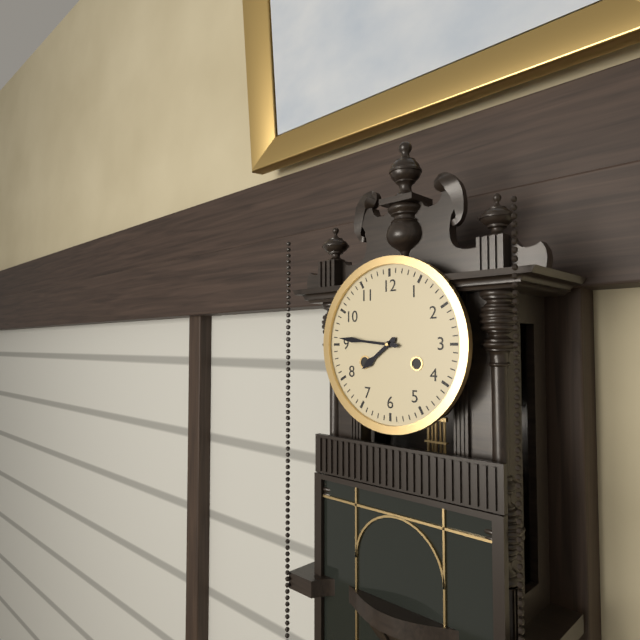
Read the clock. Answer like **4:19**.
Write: **7:46**
